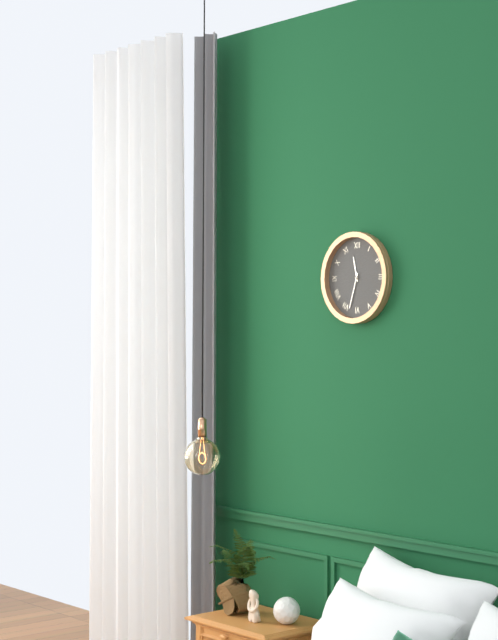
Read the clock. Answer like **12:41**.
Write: **11:33**
